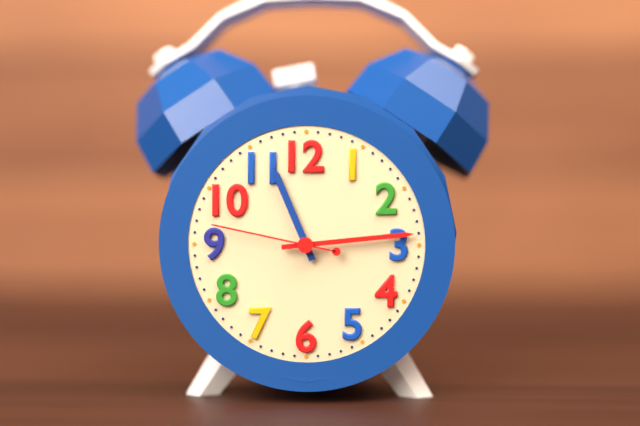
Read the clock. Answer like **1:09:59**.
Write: **11:14:47**
